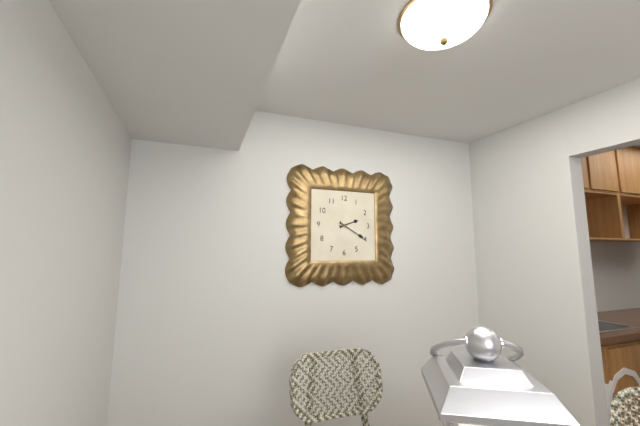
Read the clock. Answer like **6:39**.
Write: **2:20**
